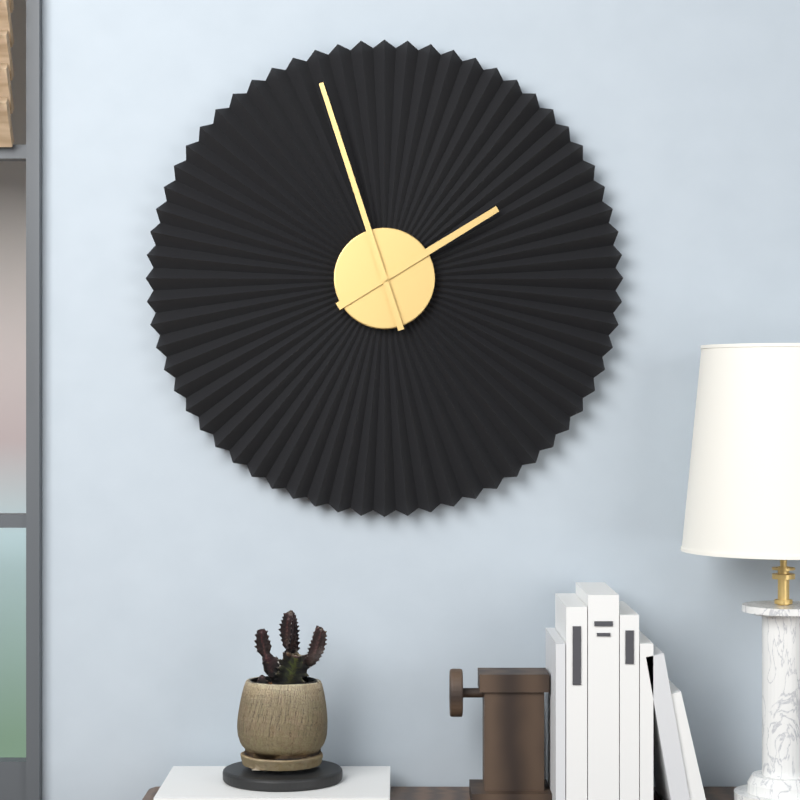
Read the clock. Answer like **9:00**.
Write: **1:57**
